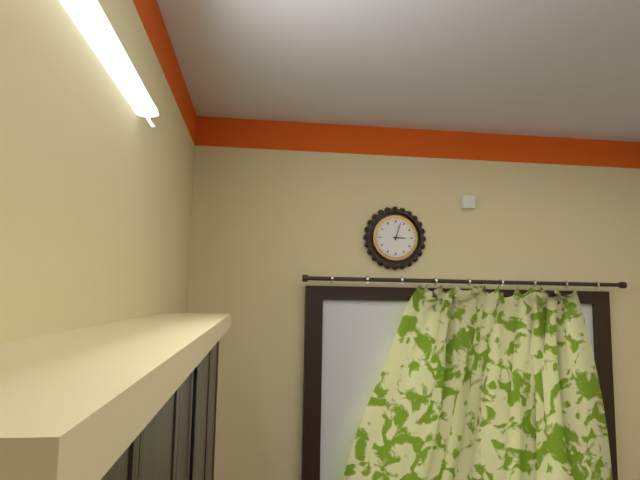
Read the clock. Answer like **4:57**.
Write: **3:03**
